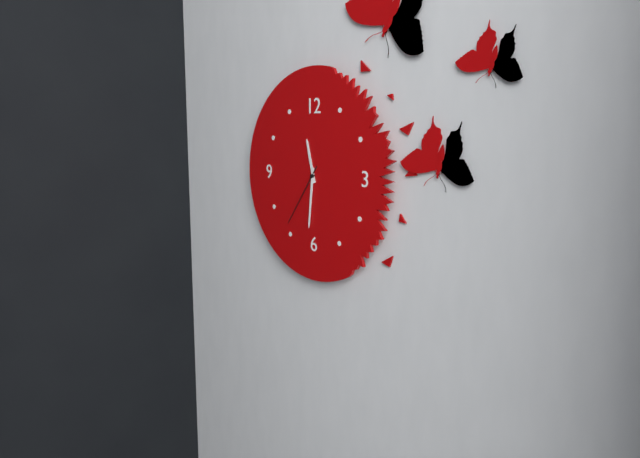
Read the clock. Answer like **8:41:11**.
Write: **11:31:36**
